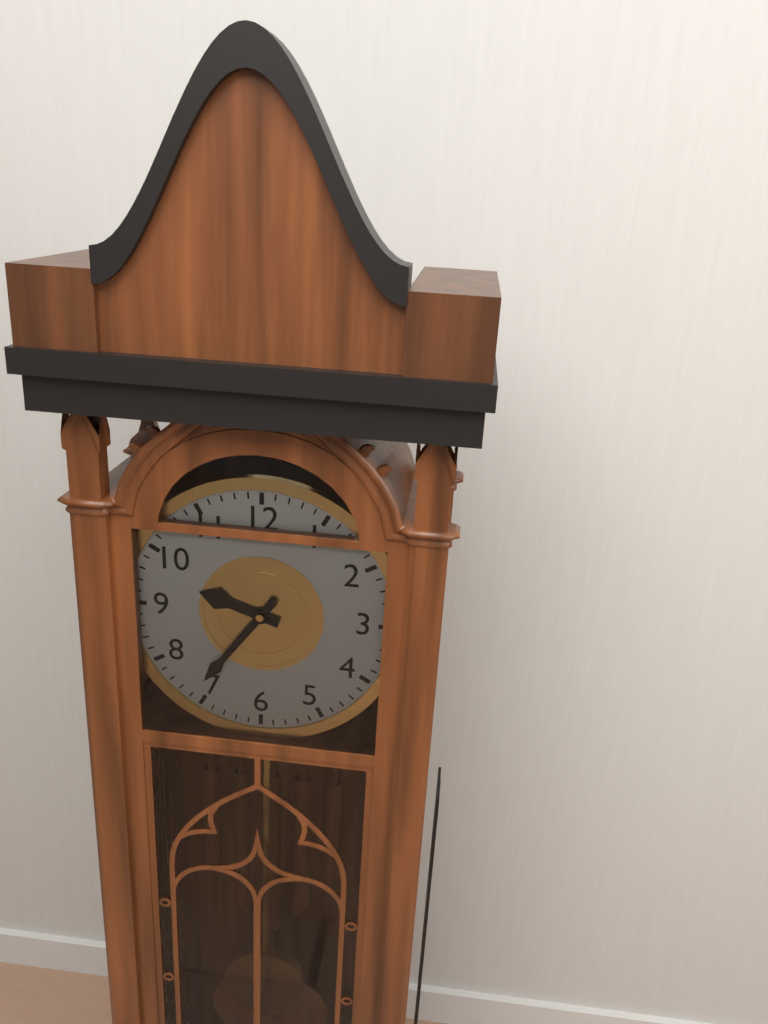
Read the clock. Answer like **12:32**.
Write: **9:36**
